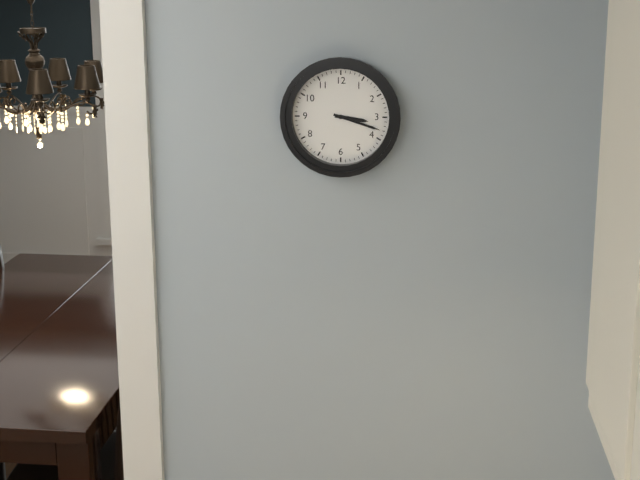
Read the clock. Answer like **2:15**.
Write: **3:18**
